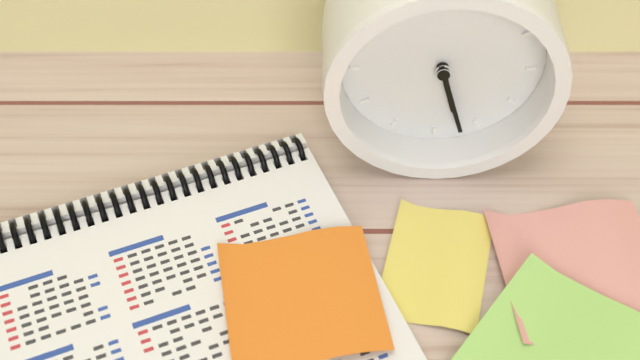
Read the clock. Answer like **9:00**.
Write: **5:27**
